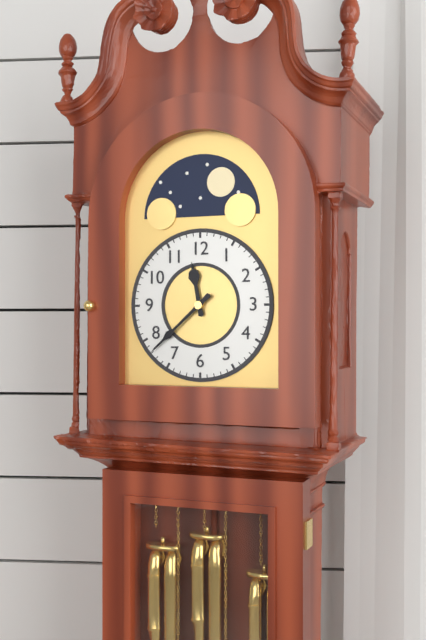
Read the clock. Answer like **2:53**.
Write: **11:38**
